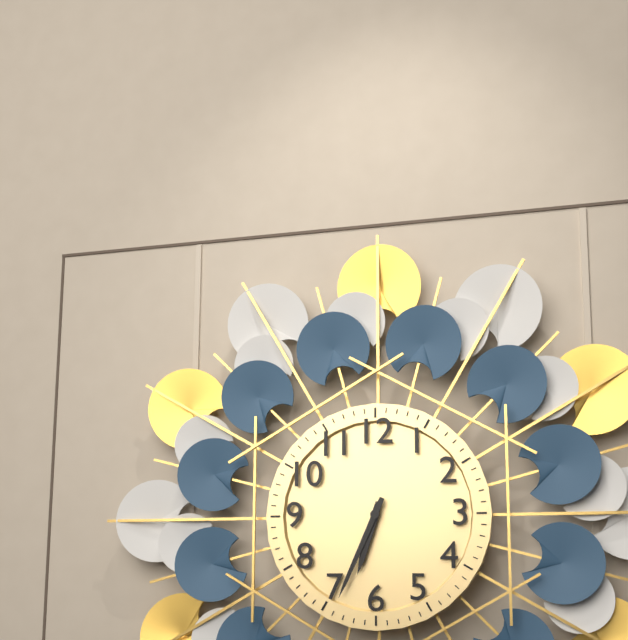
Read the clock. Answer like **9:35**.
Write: **6:34**
